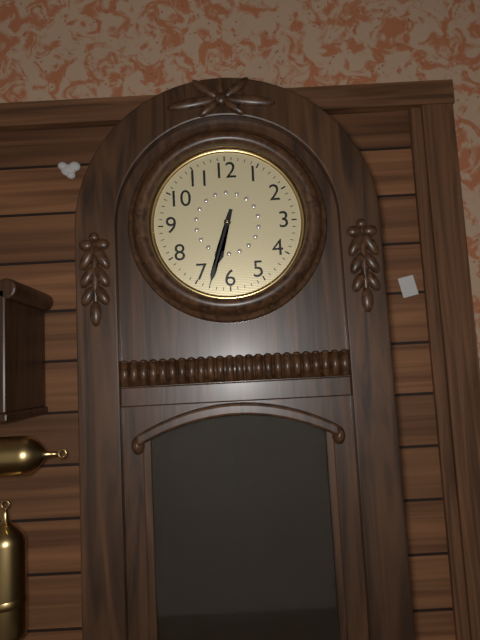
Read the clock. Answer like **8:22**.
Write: **6:33**
